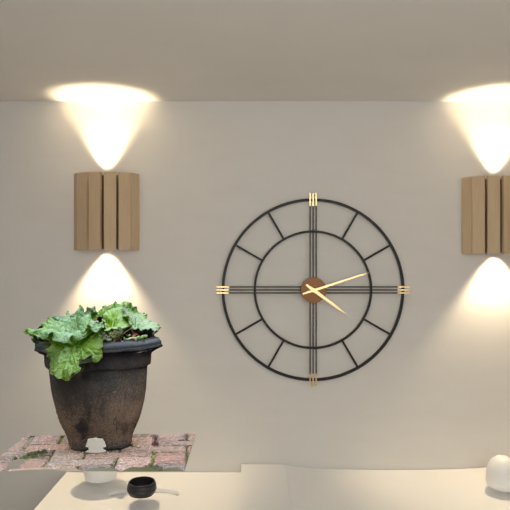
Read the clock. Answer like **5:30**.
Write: **4:12**
